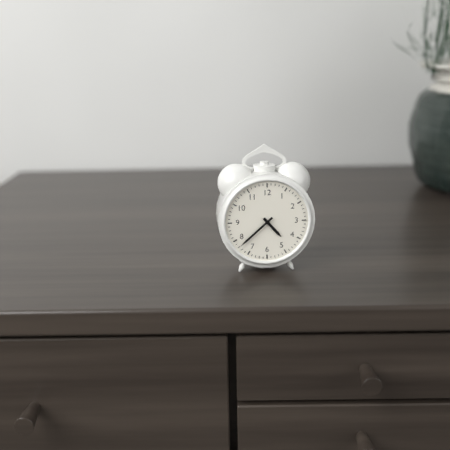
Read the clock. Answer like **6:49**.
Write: **4:38**
